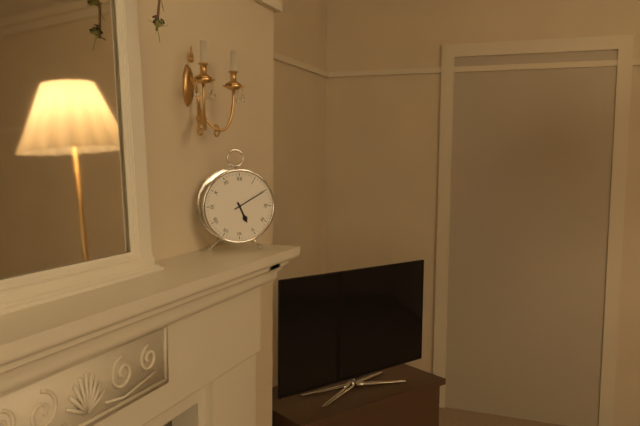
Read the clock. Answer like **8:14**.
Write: **5:10**
